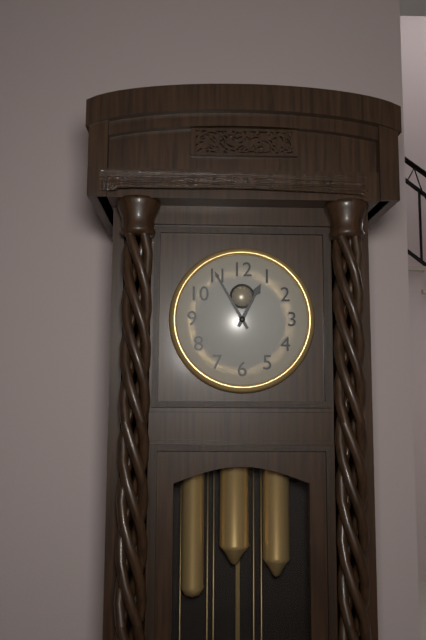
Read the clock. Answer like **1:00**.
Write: **12:55**
